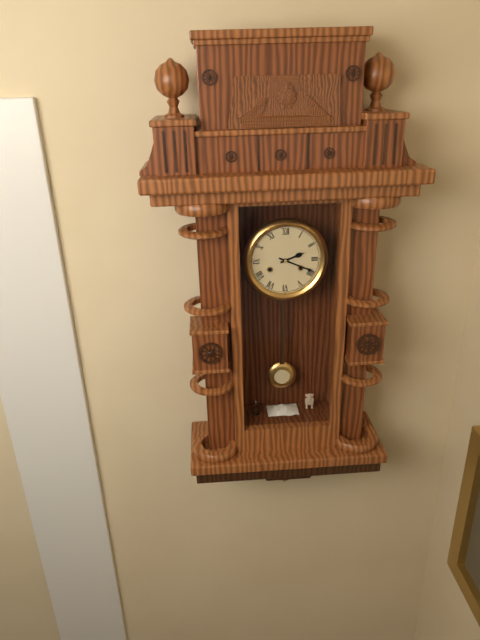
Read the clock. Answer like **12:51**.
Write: **2:19**
